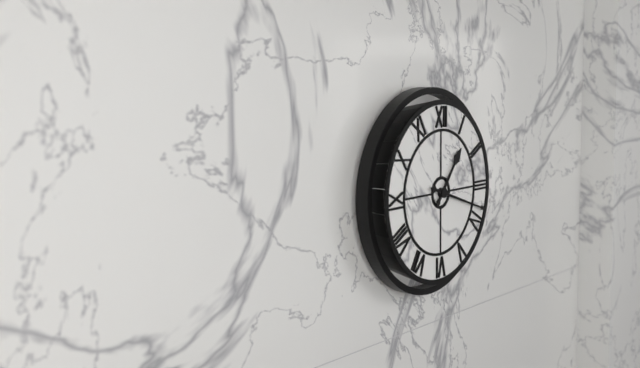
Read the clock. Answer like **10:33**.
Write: **1:18**
